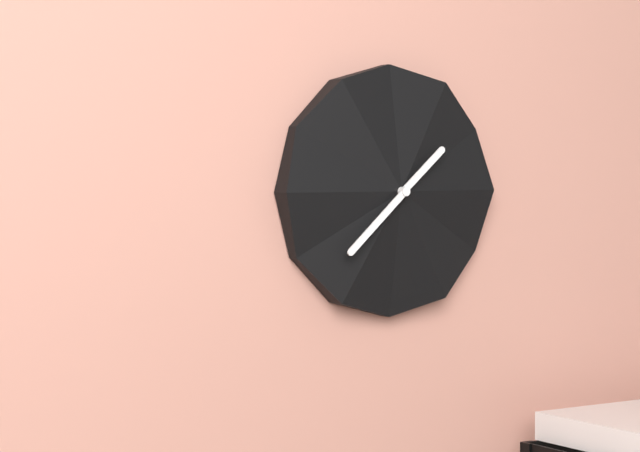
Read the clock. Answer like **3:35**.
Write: **1:38**
